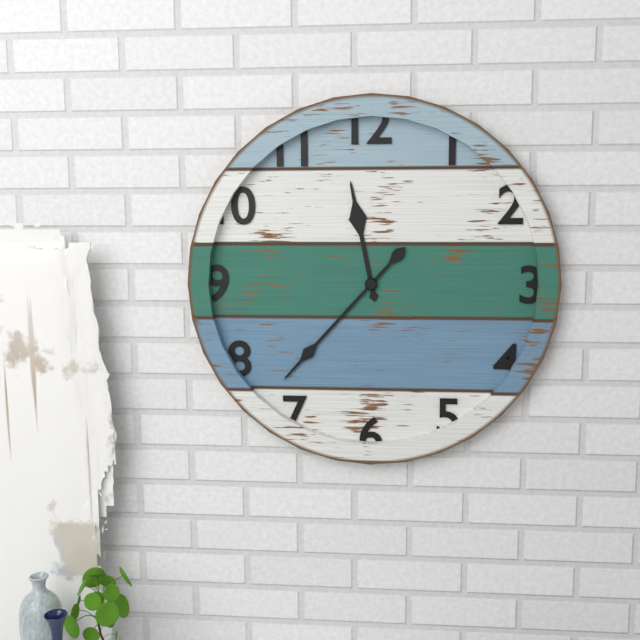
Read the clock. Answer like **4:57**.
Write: **11:37**
